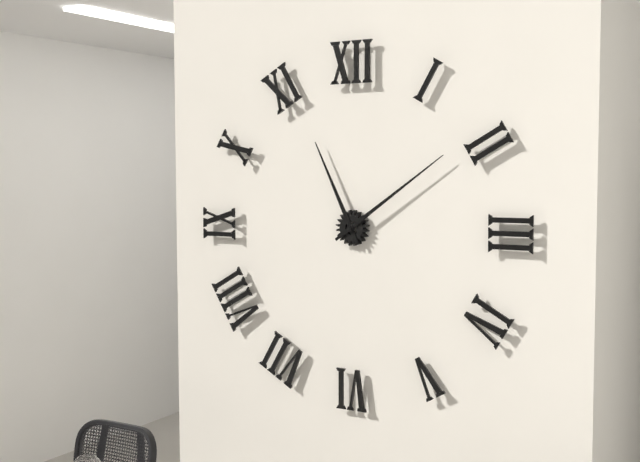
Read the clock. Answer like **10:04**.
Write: **11:09**
